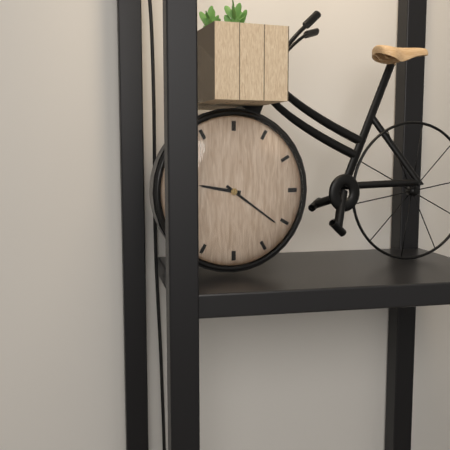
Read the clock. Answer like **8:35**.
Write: **9:21**
